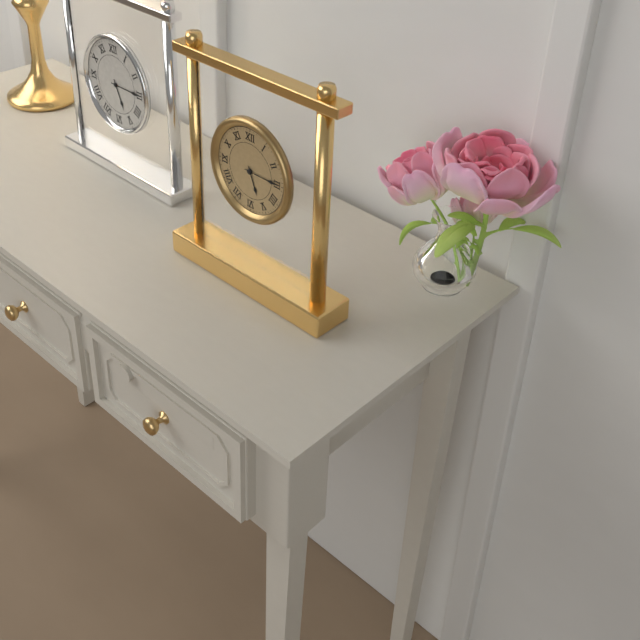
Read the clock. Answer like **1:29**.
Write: **5:15**
